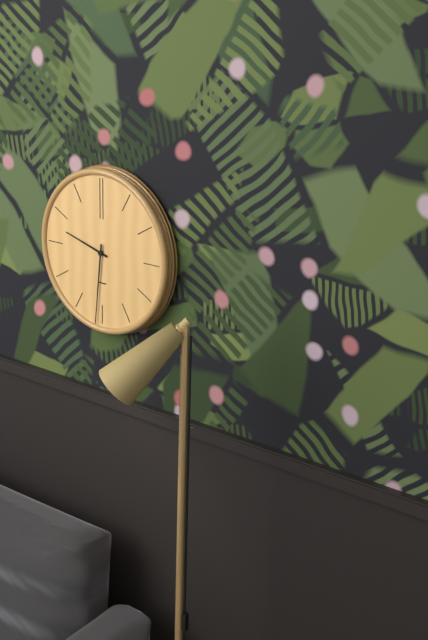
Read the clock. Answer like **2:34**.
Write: **9:31**
